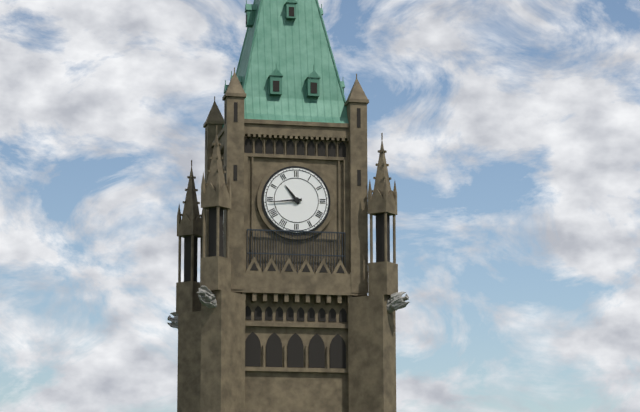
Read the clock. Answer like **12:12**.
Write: **10:44**
